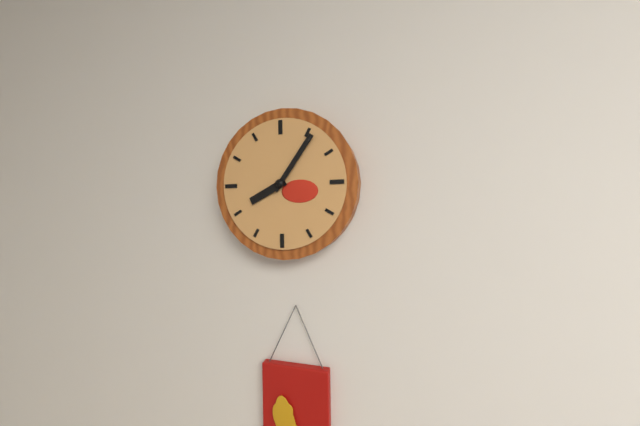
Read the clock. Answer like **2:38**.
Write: **8:06**
